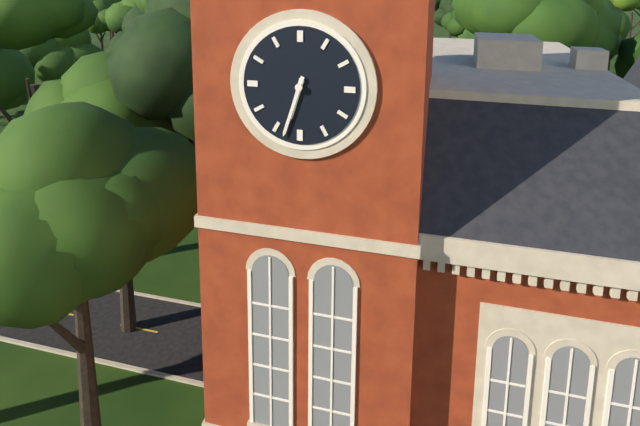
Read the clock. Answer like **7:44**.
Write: **6:33**
